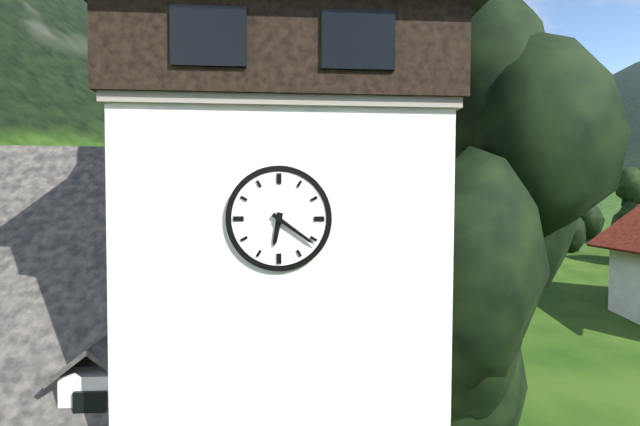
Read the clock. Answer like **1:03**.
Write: **6:21**
